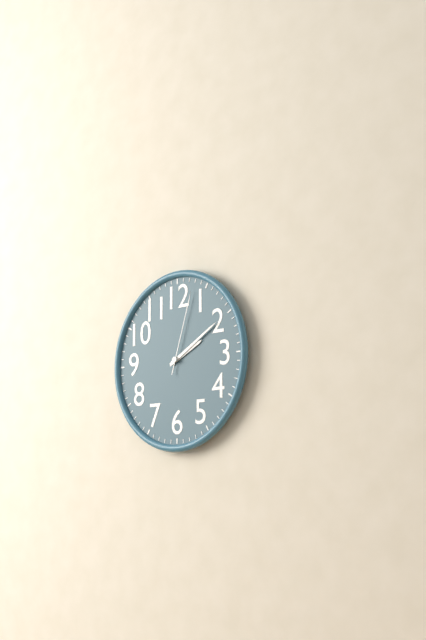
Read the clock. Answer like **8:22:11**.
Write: **2:10:03**
